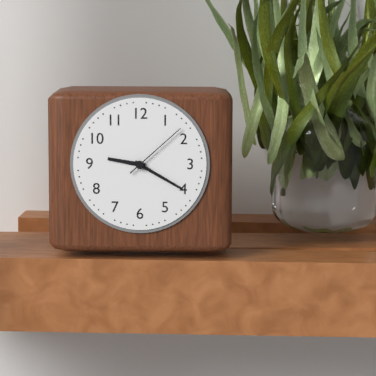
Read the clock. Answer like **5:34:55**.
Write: **9:20:08**
